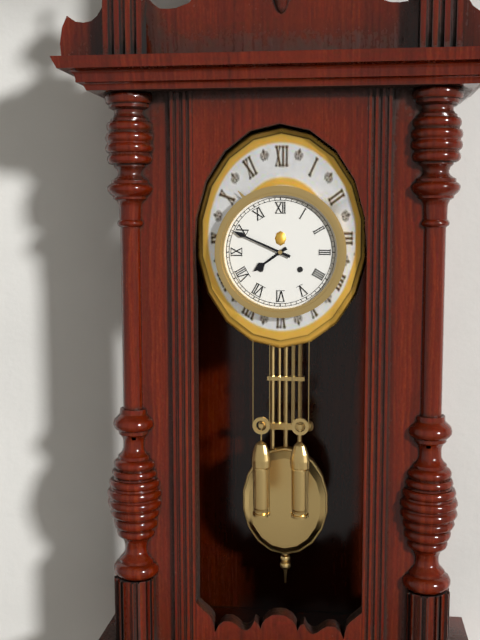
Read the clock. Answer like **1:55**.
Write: **7:49**
